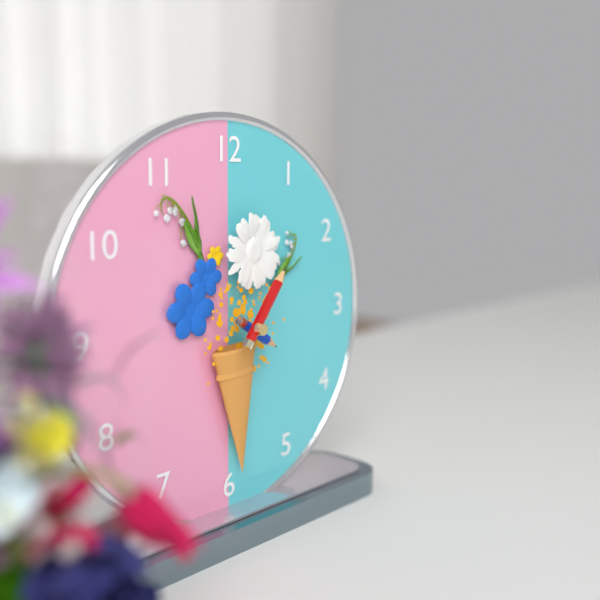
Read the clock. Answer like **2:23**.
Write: **4:06**
